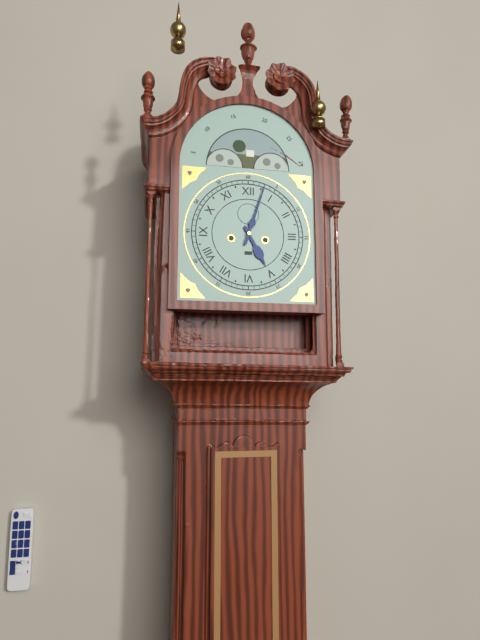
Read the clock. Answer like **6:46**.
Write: **5:03**
